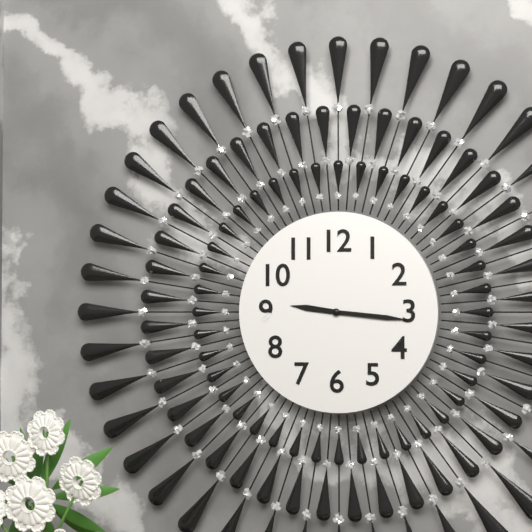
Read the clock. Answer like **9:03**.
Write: **9:16**
